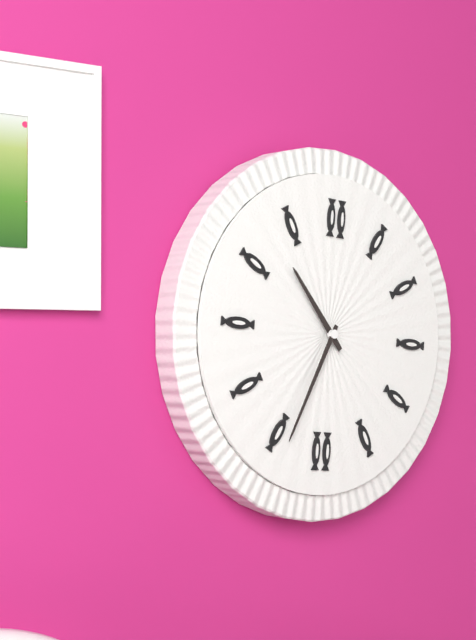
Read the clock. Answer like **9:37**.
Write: **10:34**
